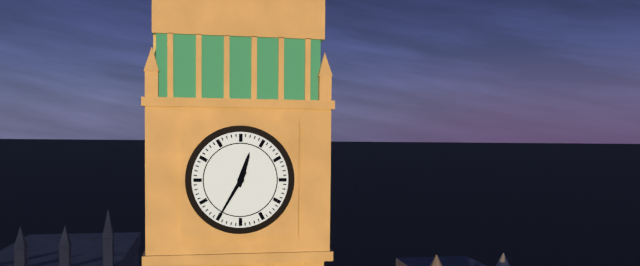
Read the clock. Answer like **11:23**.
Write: **12:35**
